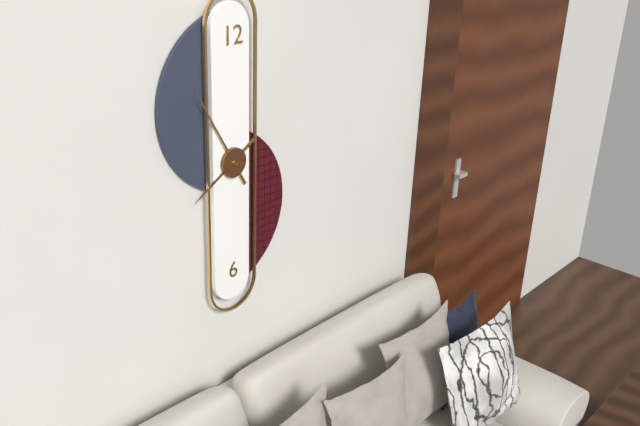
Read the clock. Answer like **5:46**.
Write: **7:55**
